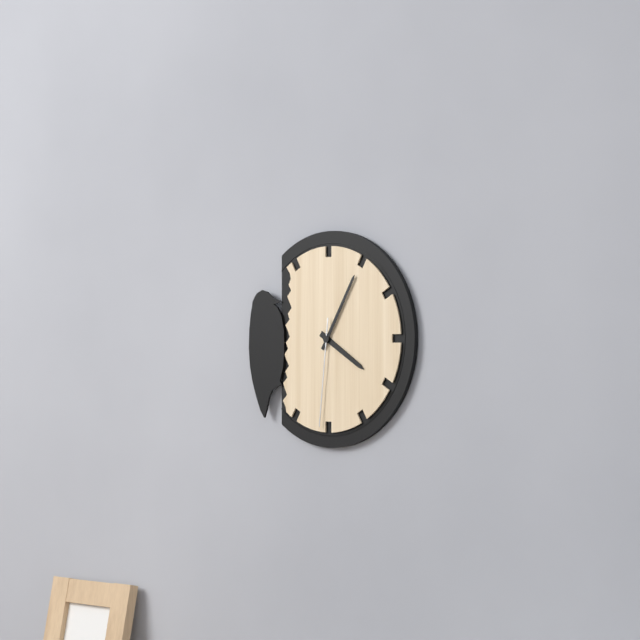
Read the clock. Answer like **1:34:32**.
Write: **4:05:31**
